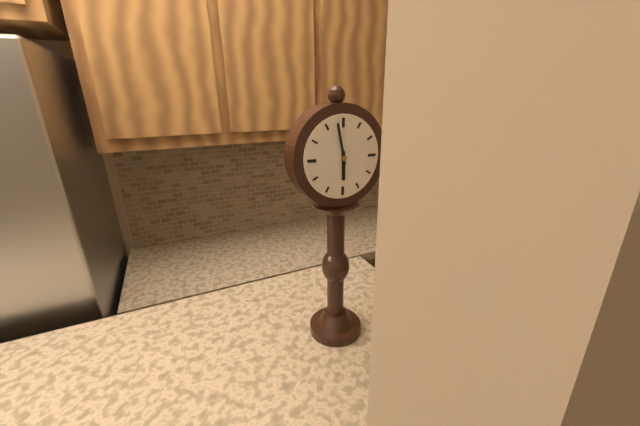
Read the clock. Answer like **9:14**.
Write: **5:58**
